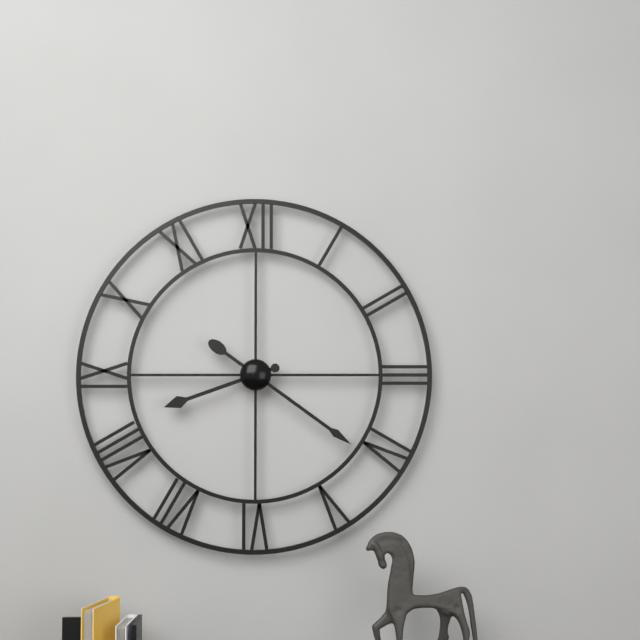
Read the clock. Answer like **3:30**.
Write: **8:21**
